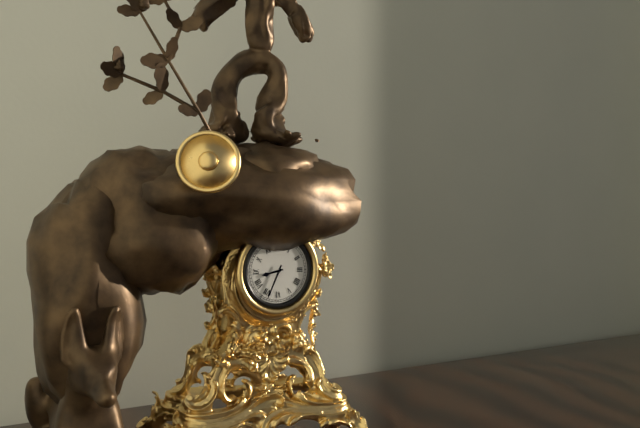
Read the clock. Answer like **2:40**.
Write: **8:34**
